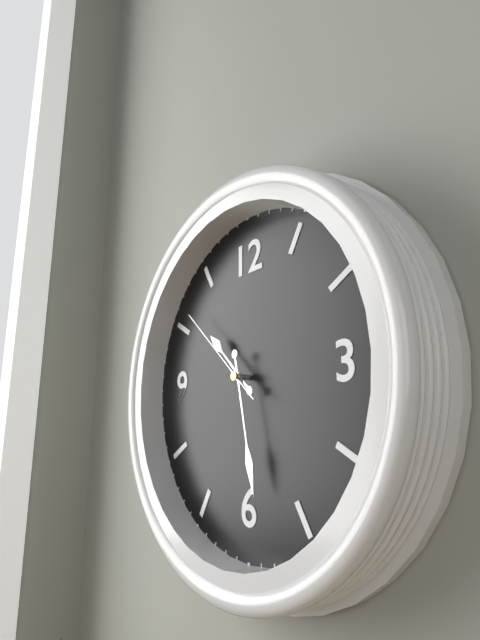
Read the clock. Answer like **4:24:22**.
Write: **10:28:52**
